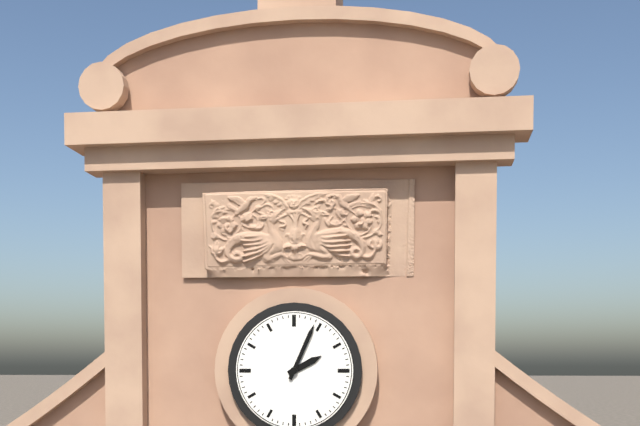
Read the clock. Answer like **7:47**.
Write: **2:04**
